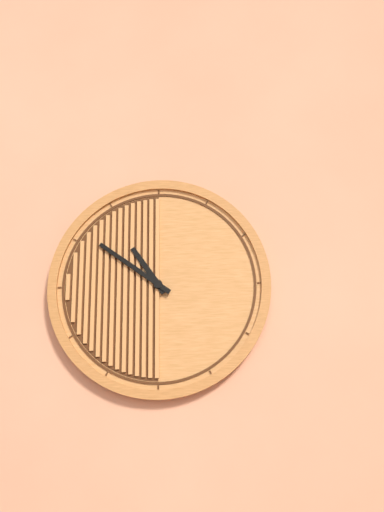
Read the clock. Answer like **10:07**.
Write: **10:51**
